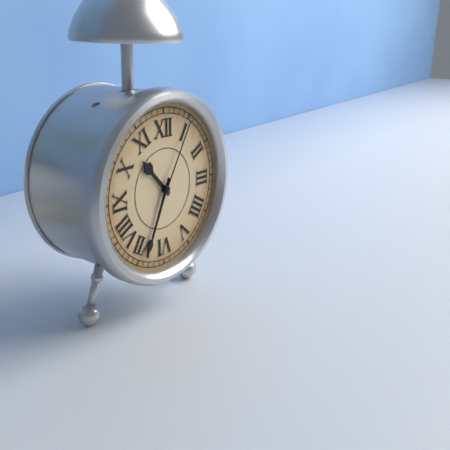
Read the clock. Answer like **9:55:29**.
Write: **10:34:05**
